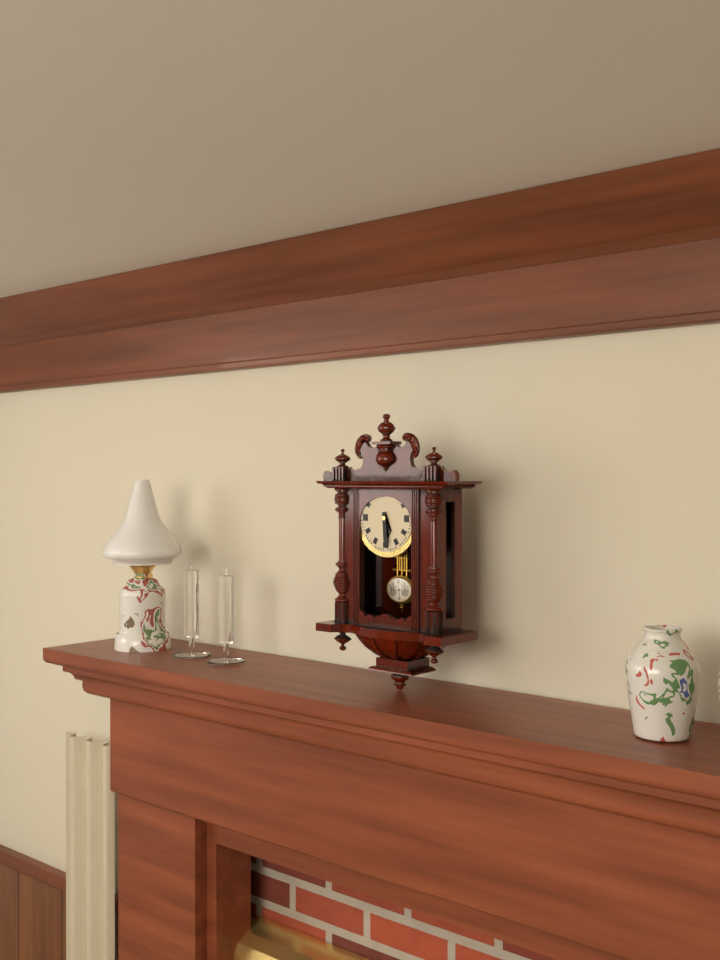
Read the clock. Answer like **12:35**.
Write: **5:29**
